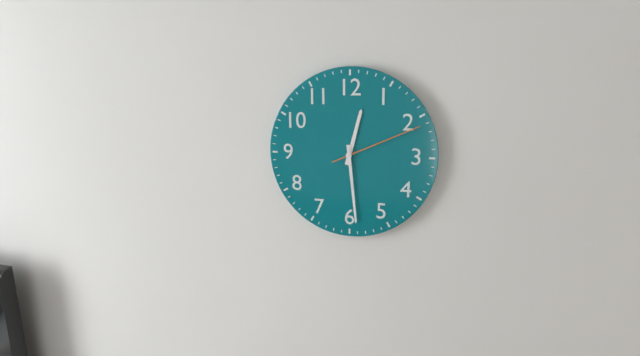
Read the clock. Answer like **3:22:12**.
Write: **12:29:11**
